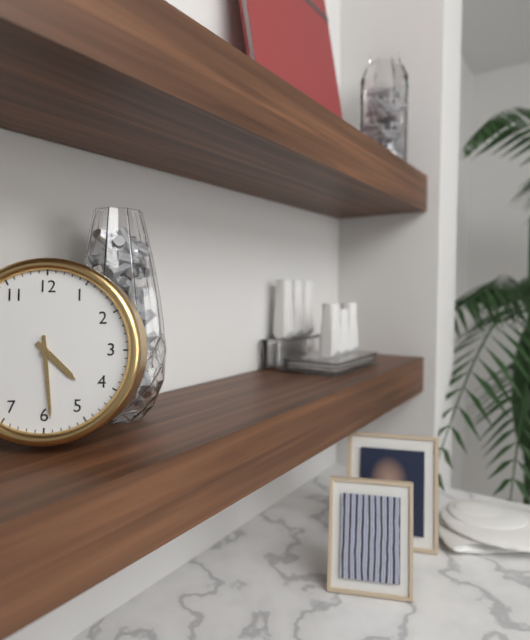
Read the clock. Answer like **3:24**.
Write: **4:29**
